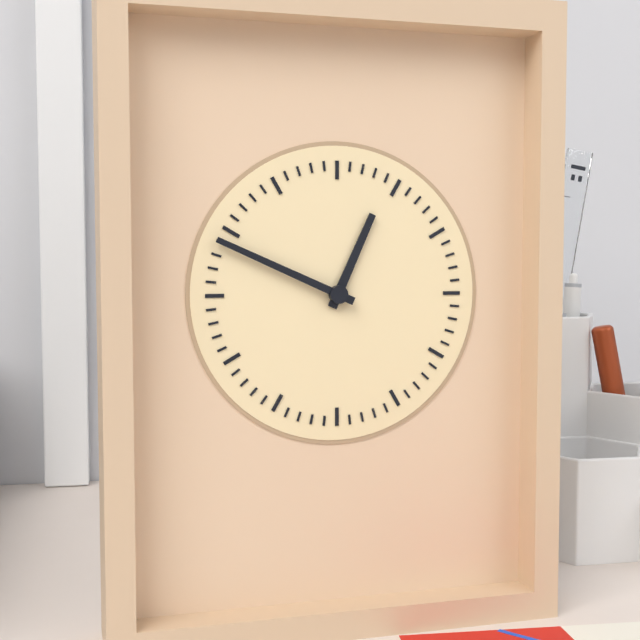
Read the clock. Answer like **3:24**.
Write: **12:49**
